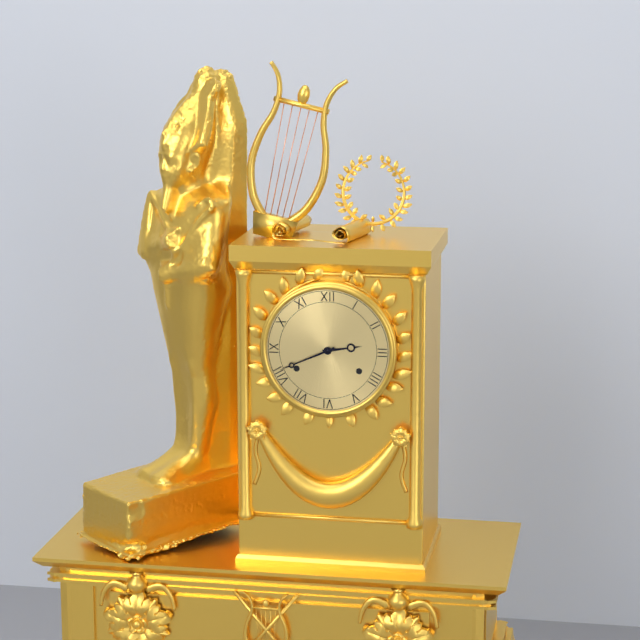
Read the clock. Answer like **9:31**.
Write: **2:41**
